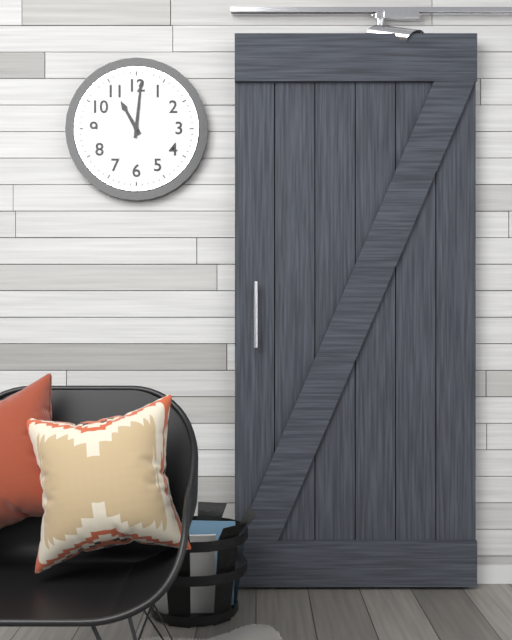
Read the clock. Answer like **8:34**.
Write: **11:01**
